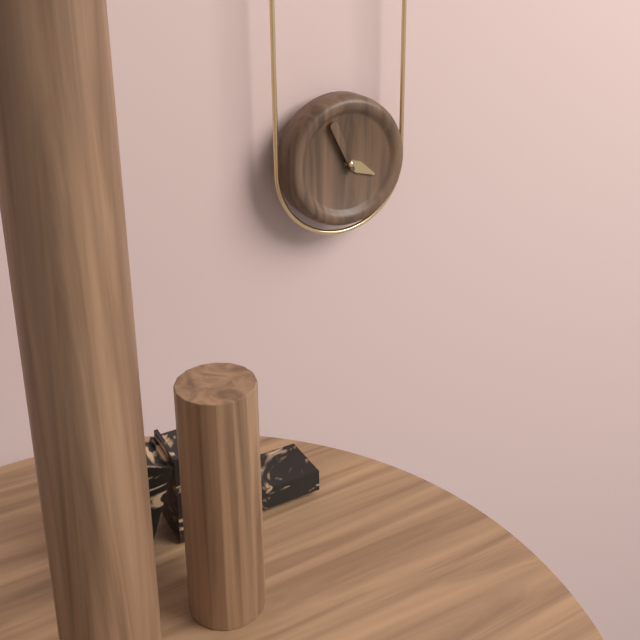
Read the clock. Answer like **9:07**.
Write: **3:56**
